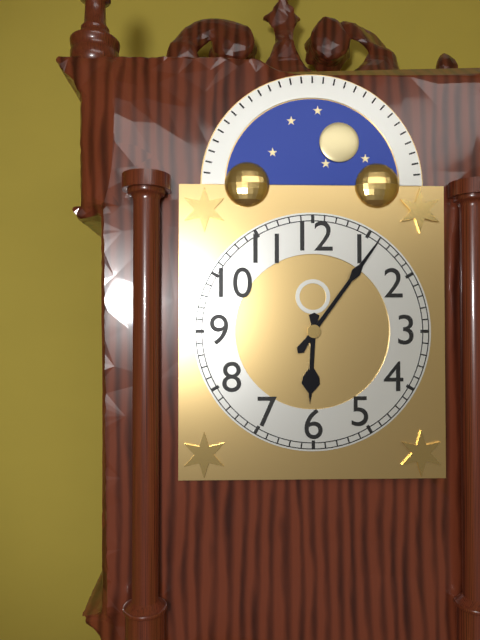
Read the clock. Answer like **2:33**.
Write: **6:06**
